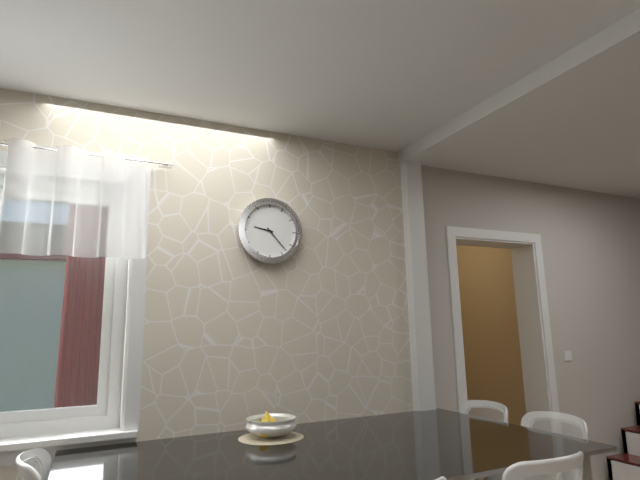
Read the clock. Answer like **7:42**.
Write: **9:23**
